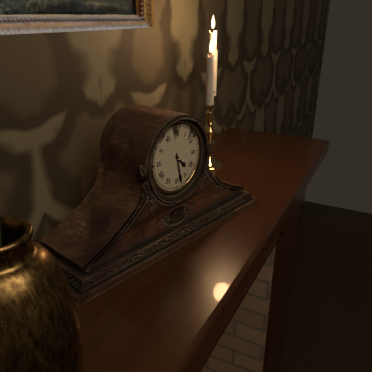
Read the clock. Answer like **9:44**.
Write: **4:28**
